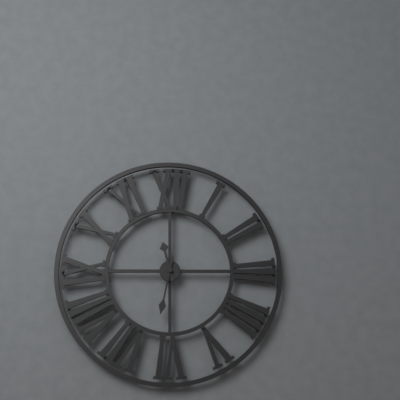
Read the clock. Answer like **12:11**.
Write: **11:32**
